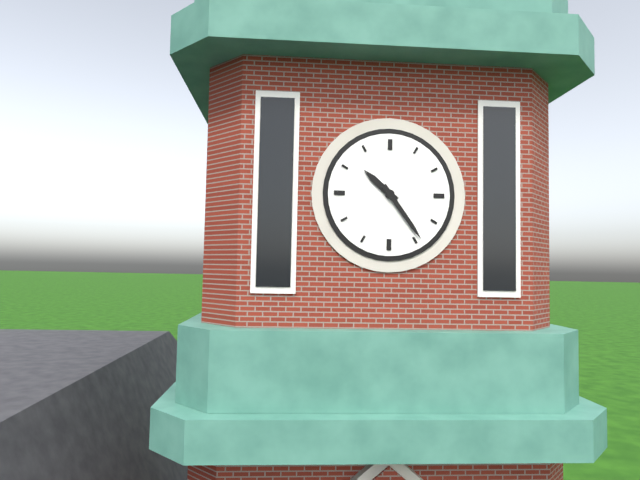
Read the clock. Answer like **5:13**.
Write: **10:24**
